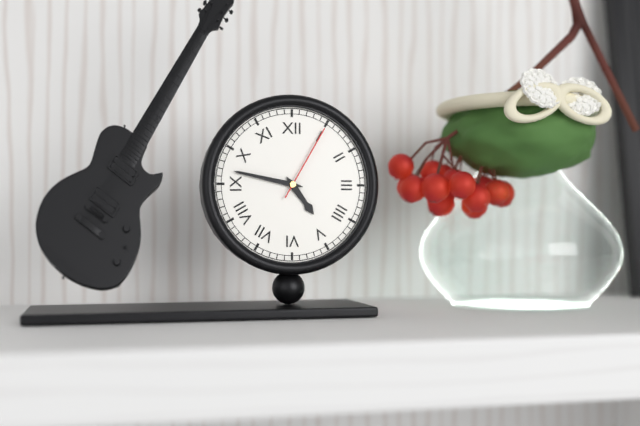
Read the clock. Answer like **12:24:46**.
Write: **4:47:05**
